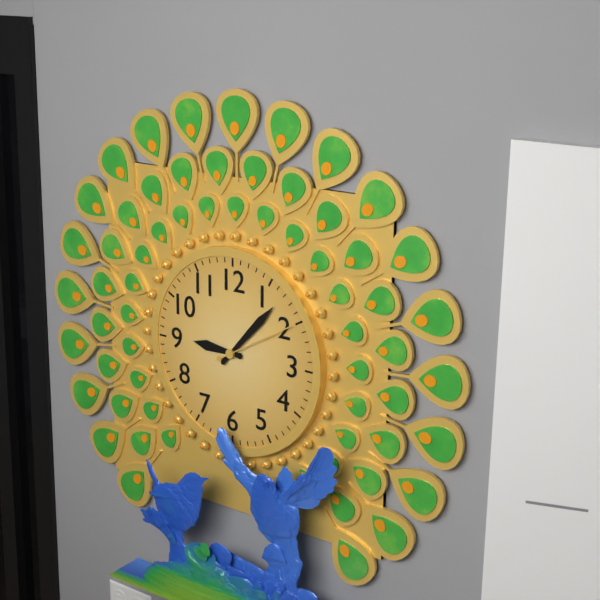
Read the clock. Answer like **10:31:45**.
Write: **9:07:10**
